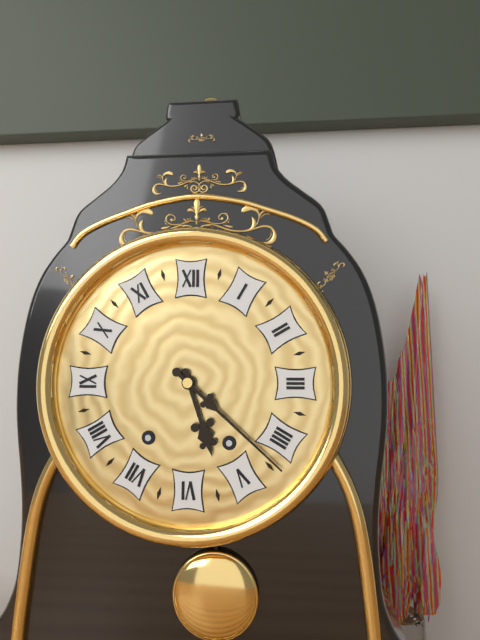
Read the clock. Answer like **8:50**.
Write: **5:22**
